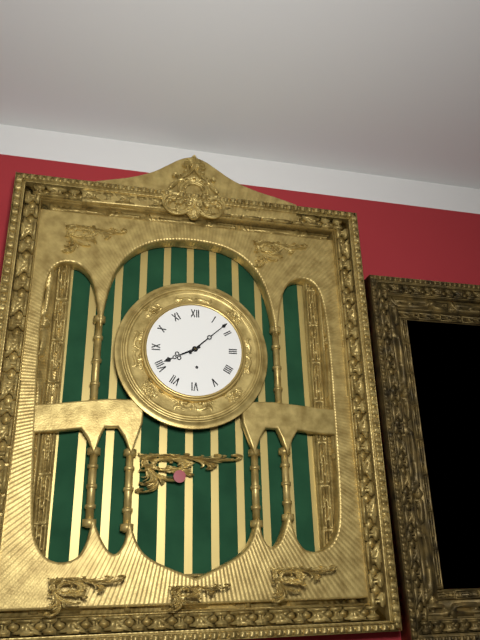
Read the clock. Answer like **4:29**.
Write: **8:08**
